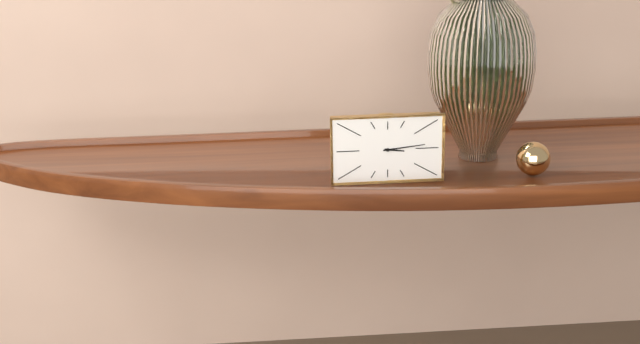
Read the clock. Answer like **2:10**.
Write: **3:14**
